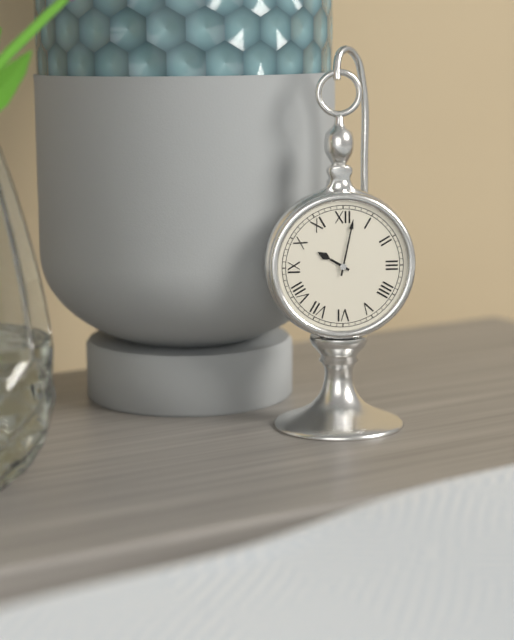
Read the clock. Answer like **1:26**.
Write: **10:02**
